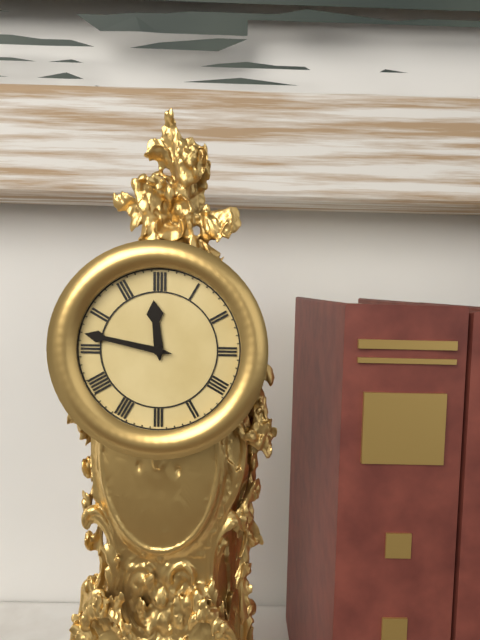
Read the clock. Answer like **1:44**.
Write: **11:47**
